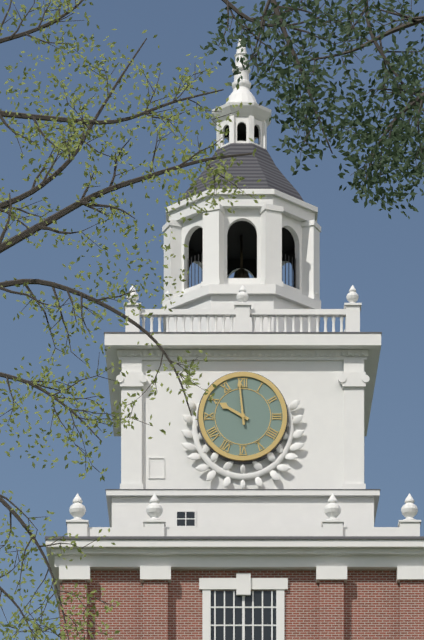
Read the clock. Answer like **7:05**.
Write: **9:59**
